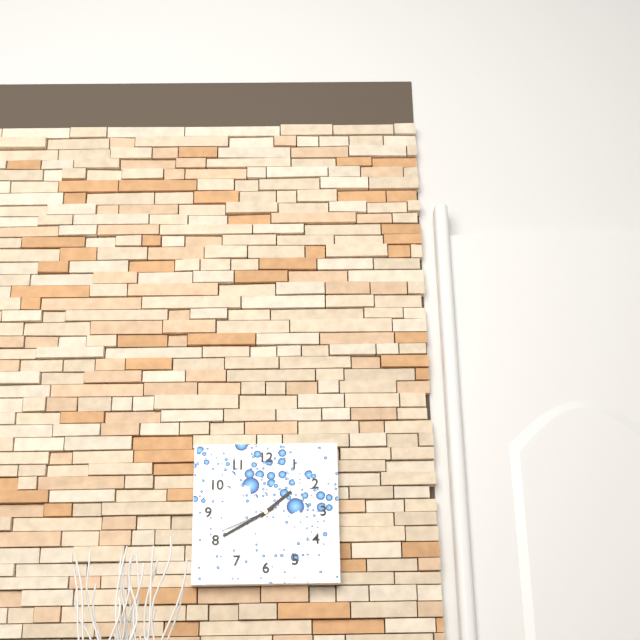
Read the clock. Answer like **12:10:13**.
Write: **1:40:41**
